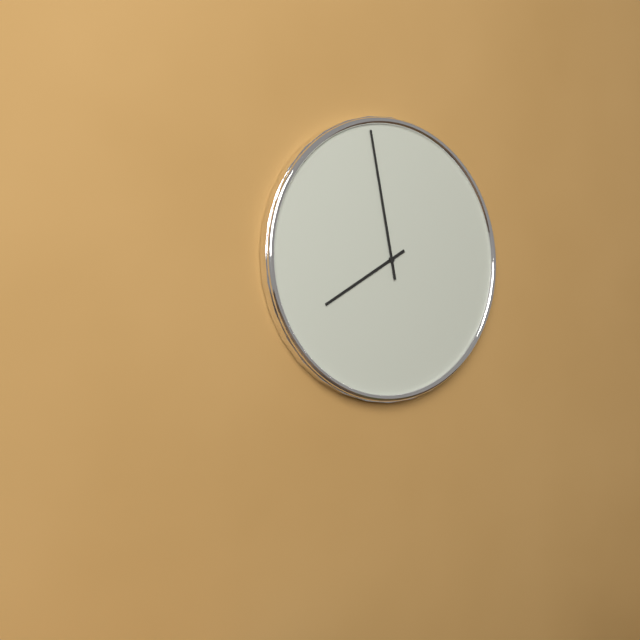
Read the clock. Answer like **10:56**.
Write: **7:58**
